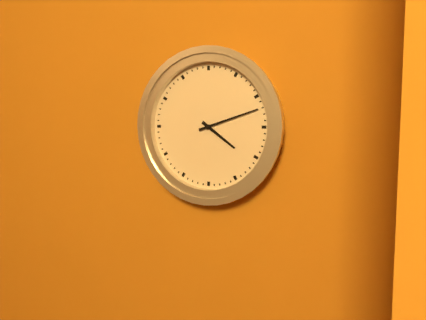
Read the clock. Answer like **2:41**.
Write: **4:12**
